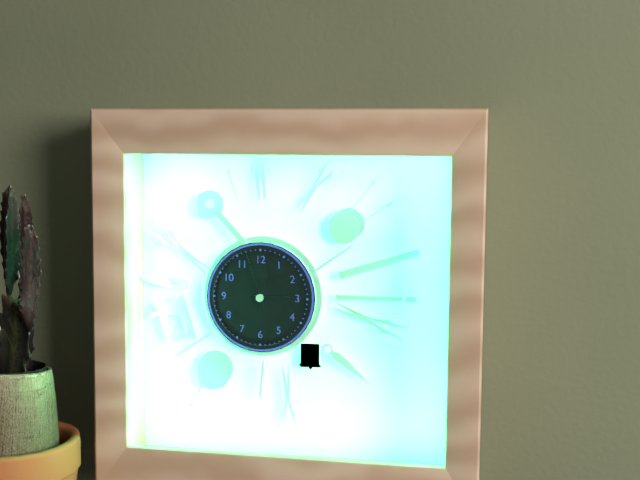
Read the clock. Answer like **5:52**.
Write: **2:57**
